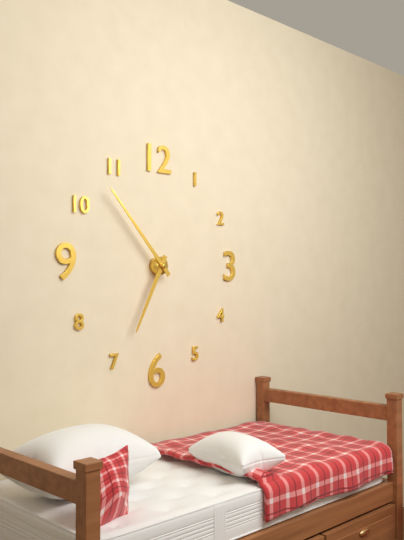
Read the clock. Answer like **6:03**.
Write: **6:53**
